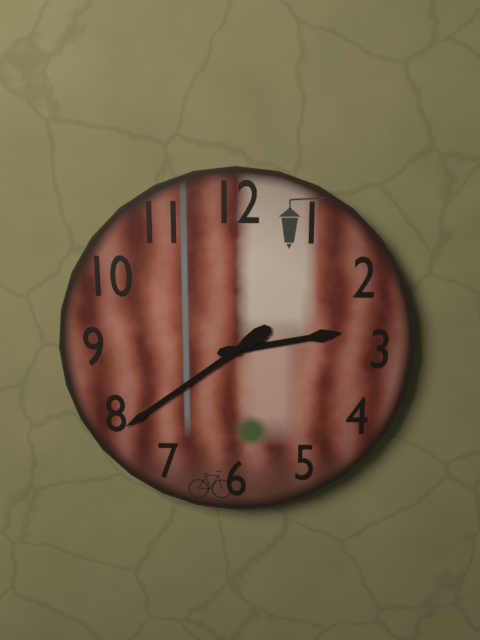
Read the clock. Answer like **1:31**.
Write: **2:39**
